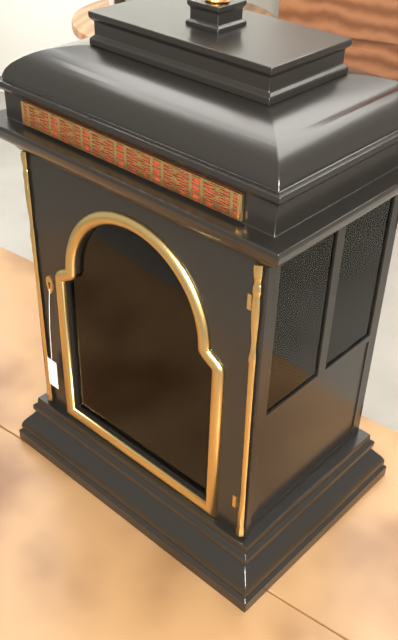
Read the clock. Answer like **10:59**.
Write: **4:08**
